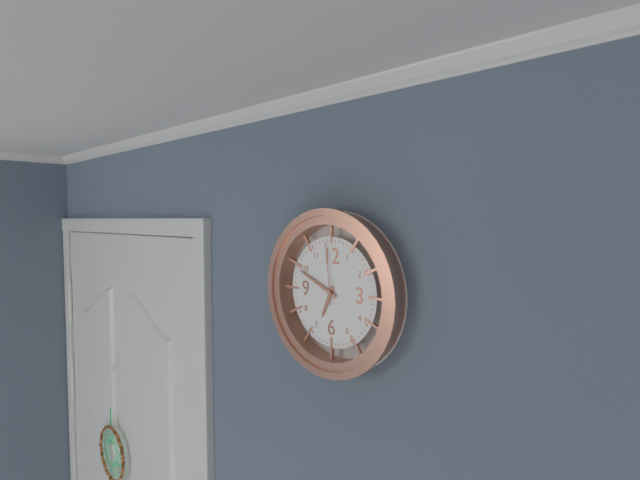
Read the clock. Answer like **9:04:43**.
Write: **6:49:59**
